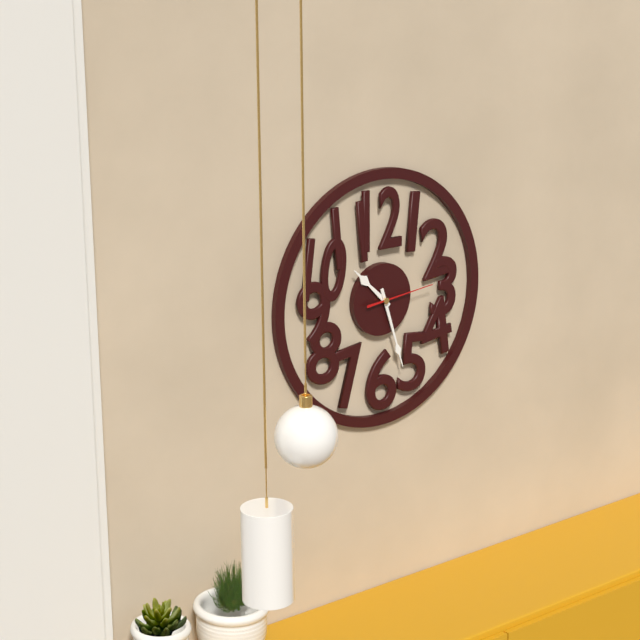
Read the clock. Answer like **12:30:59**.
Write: **10:27:14**
